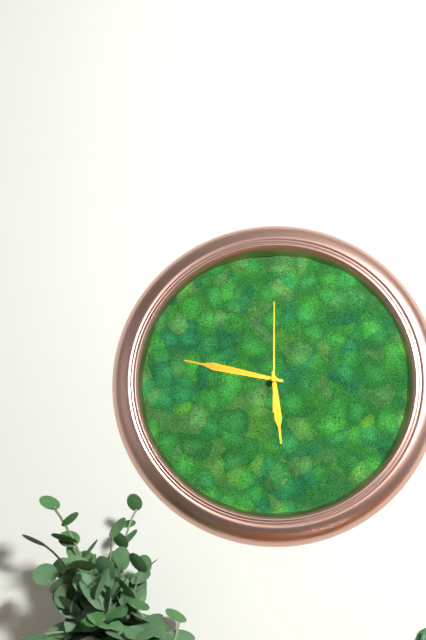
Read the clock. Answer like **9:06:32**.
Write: **5:47:00**
